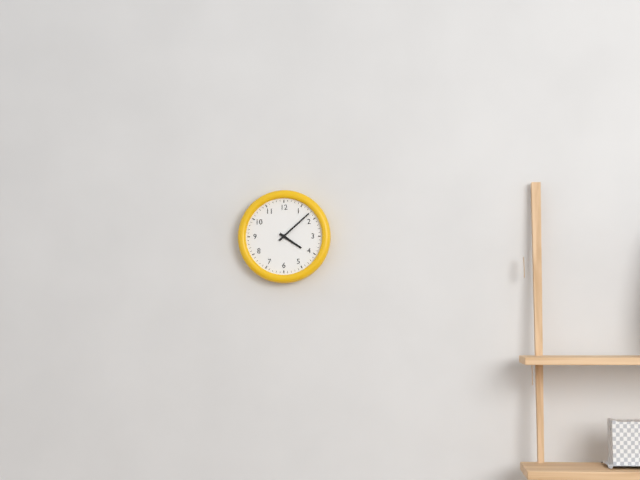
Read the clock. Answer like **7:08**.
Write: **4:08**
